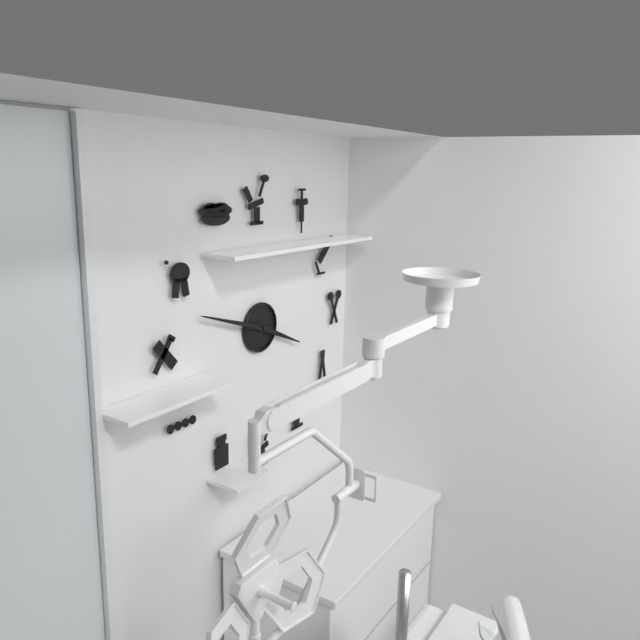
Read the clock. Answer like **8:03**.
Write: **3:48**
